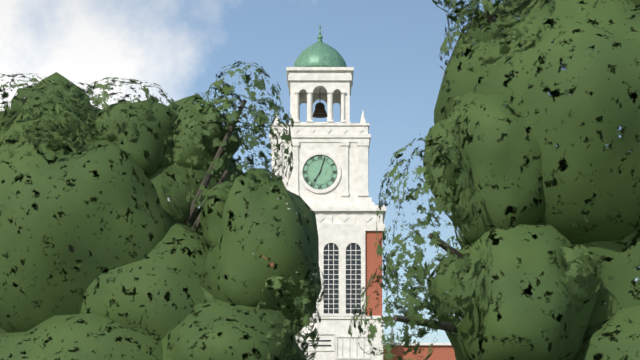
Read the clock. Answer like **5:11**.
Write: **7:03**
